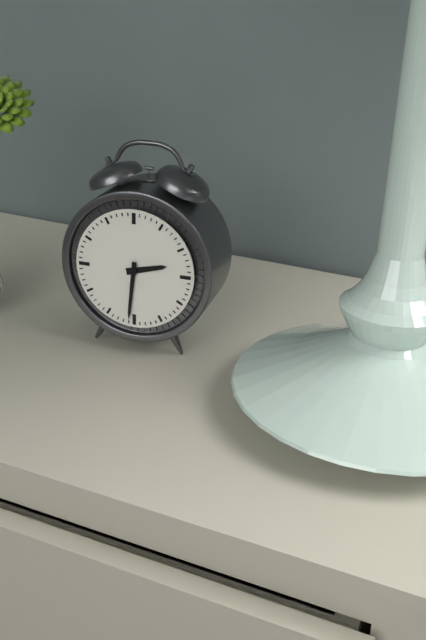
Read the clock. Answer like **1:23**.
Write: **2:31**
